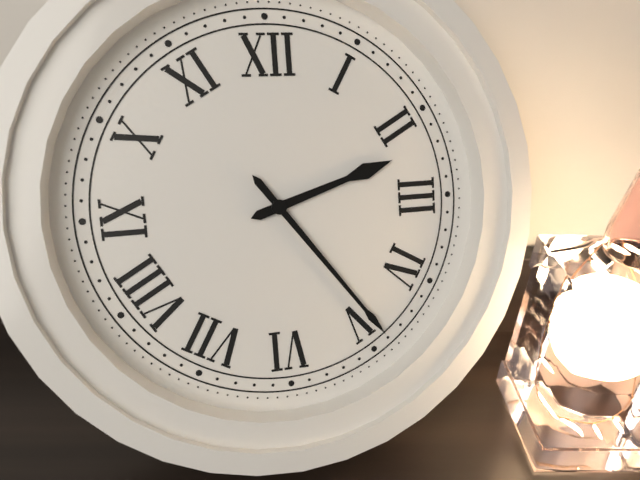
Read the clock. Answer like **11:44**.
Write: **2:24**
